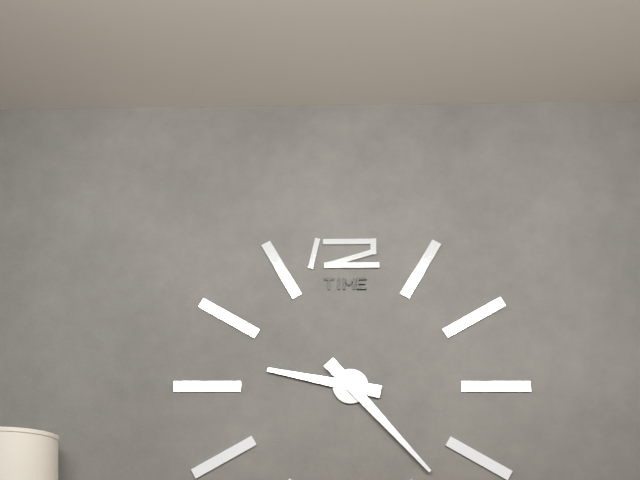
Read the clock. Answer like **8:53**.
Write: **9:23**
